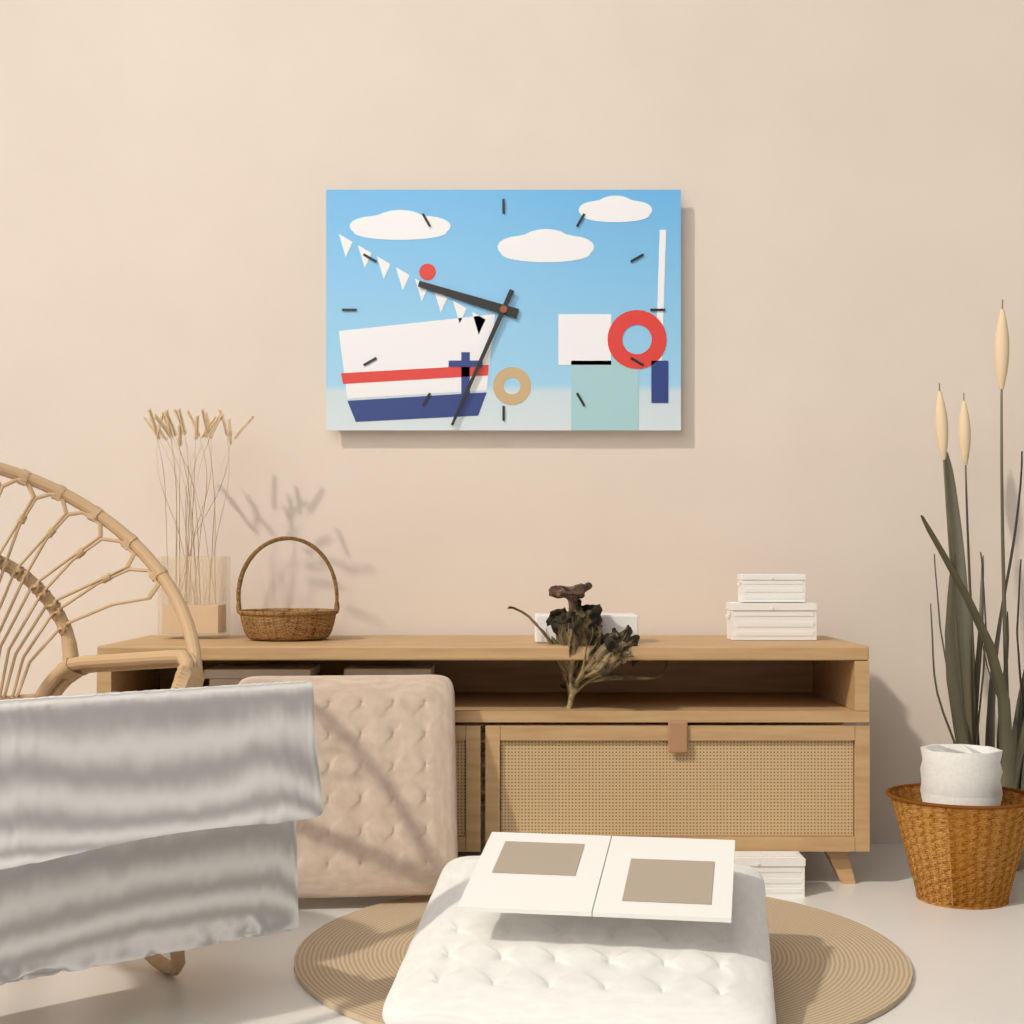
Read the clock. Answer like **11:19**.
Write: **9:34**
